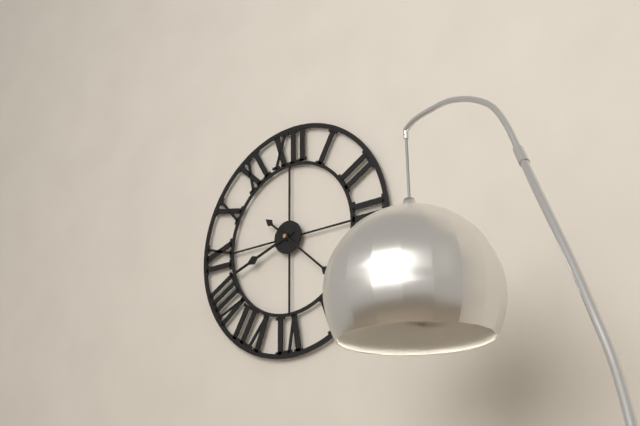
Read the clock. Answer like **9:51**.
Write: **8:22**
